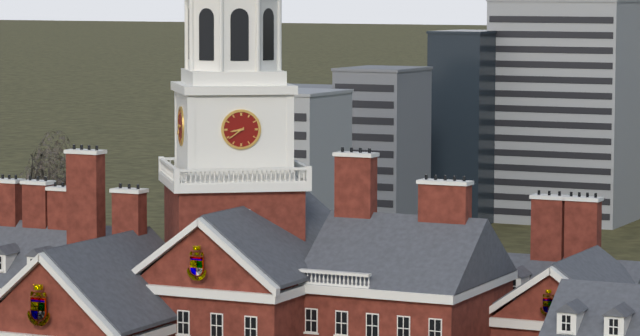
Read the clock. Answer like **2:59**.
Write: **8:39**
